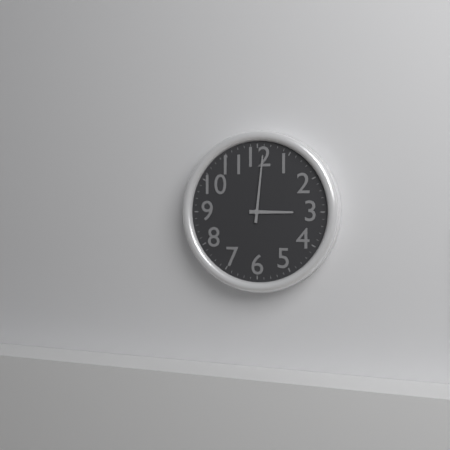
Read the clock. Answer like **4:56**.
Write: **3:01**
